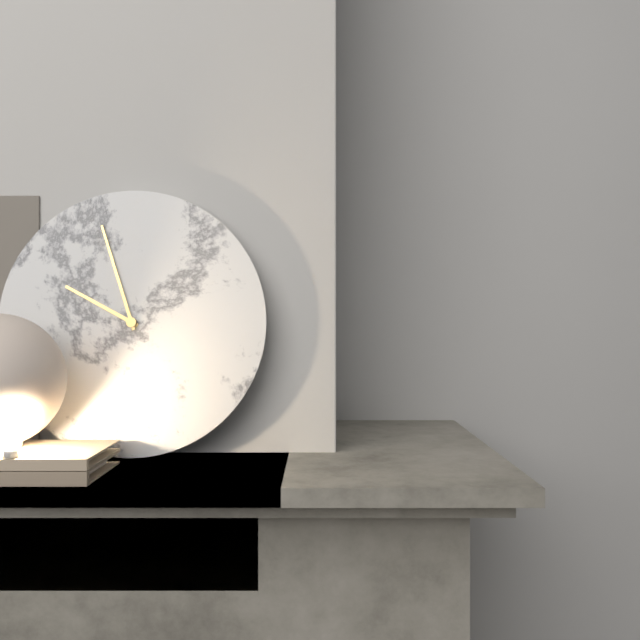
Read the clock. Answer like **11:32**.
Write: **9:57**
